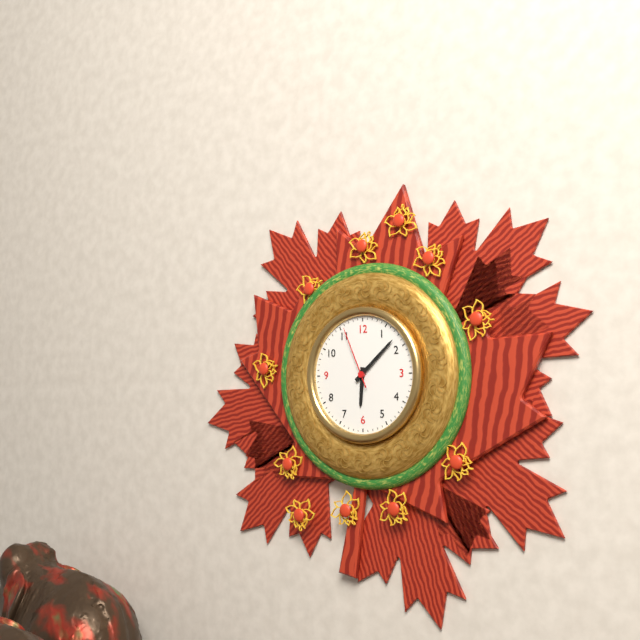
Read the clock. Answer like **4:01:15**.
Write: **6:08:56**
